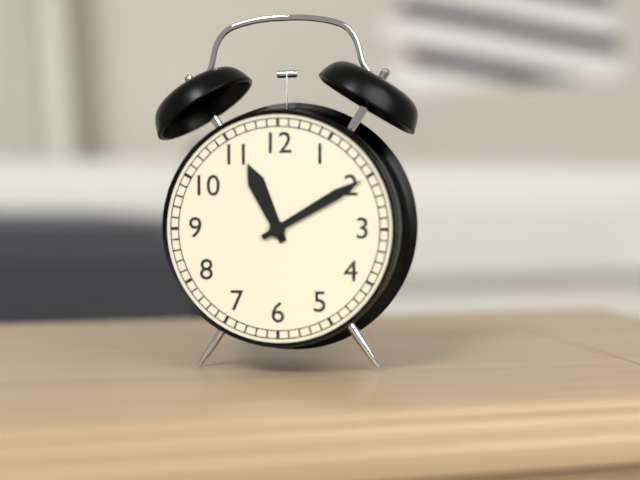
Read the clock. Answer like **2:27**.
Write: **11:10**
